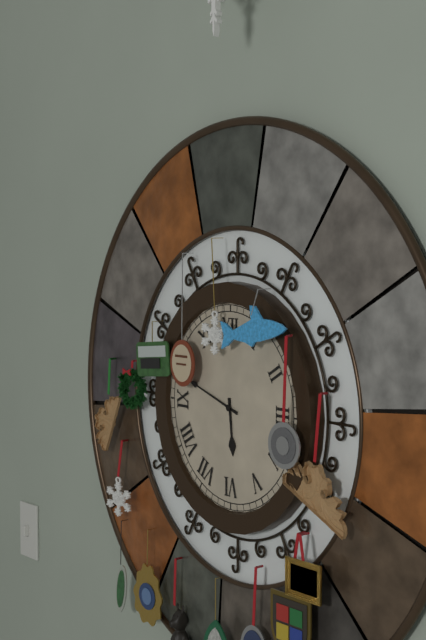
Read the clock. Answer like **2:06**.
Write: **5:48**
